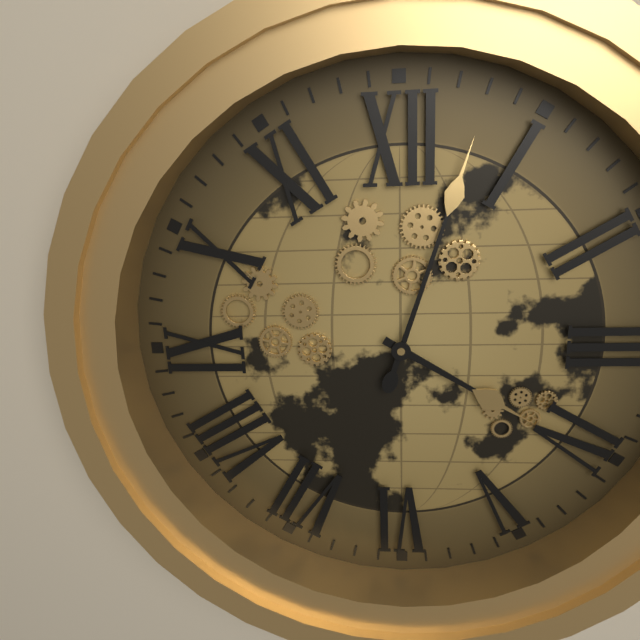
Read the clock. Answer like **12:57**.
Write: **4:03**
